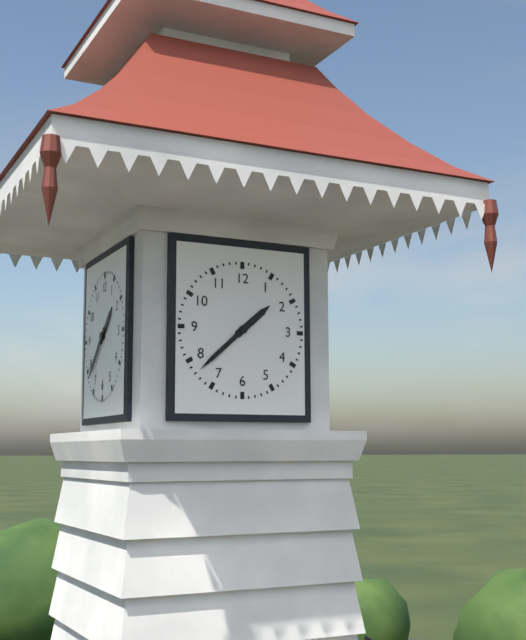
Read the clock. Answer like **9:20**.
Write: **1:38**
